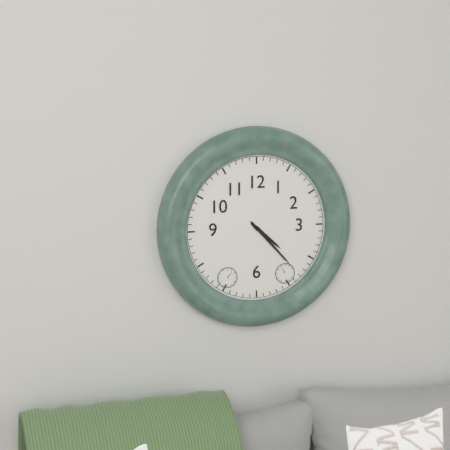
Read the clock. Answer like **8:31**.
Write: **4:23**
